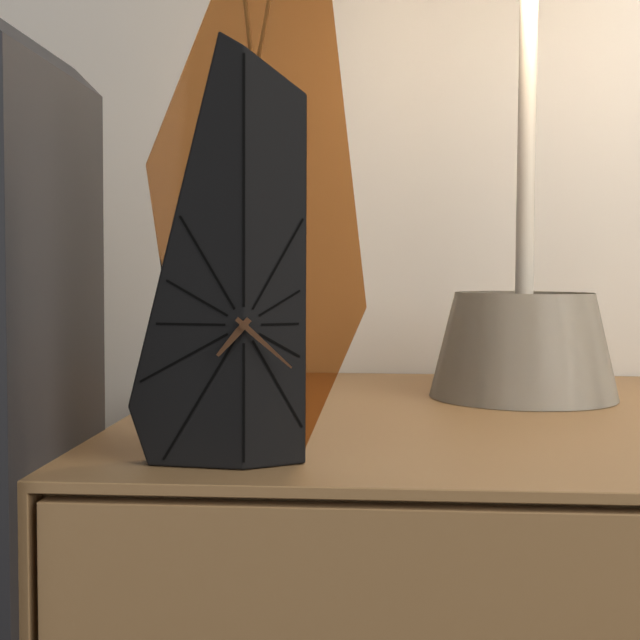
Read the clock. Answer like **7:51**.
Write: **7:22**
